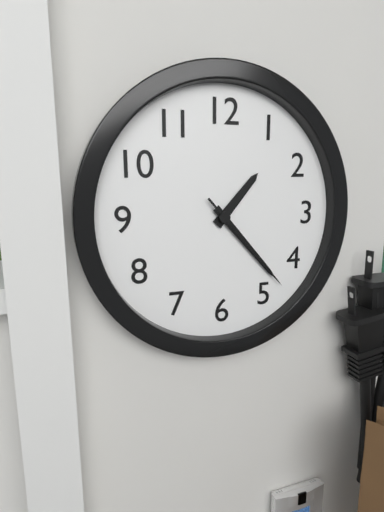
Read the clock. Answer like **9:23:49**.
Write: **1:23:23**
